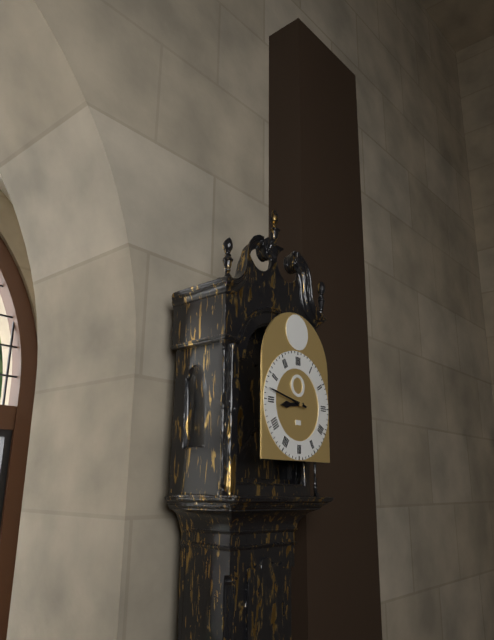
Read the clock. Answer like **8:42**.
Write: **8:47**
